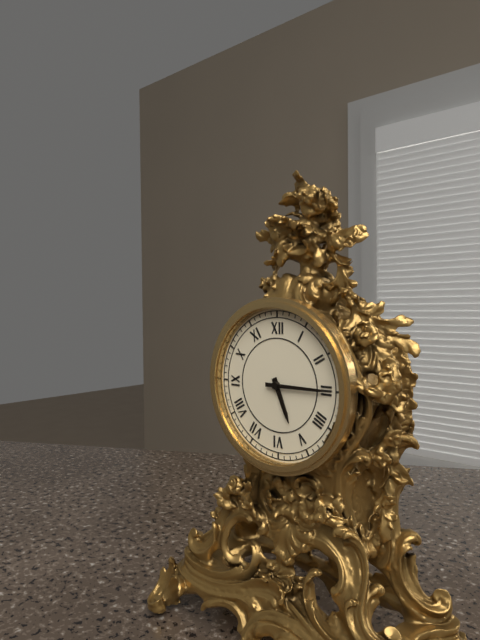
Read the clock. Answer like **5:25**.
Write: **5:15**
